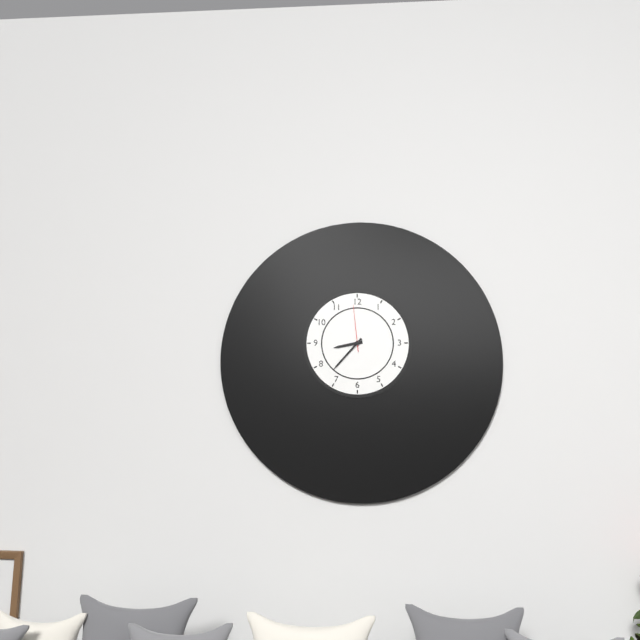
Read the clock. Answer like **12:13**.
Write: **8:37**
